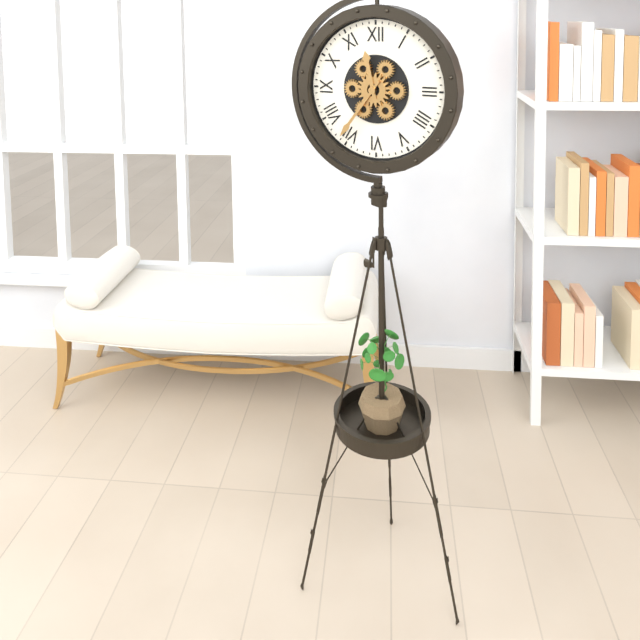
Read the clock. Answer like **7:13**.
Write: **11:36**
